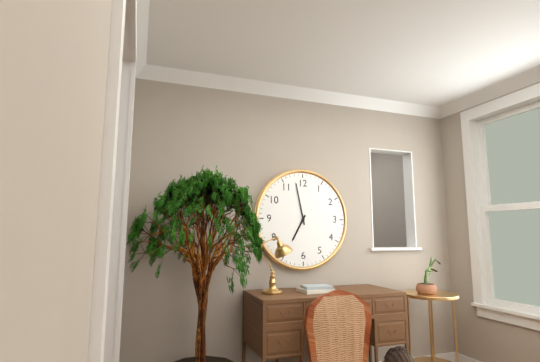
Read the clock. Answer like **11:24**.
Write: **6:58**
